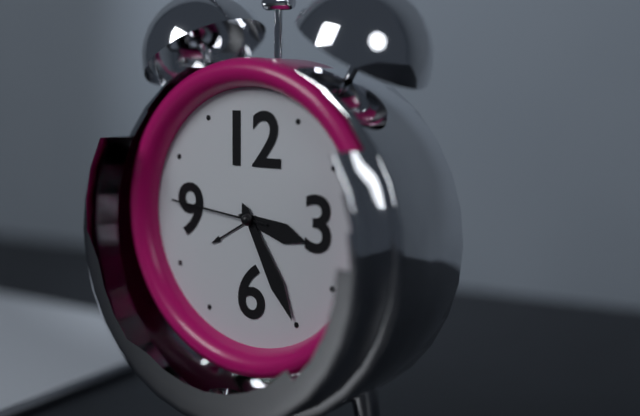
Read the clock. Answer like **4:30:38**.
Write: **3:25:46**
